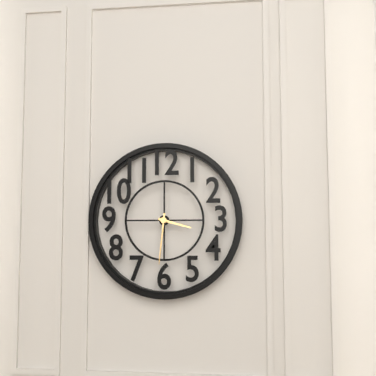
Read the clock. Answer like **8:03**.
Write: **3:31**
